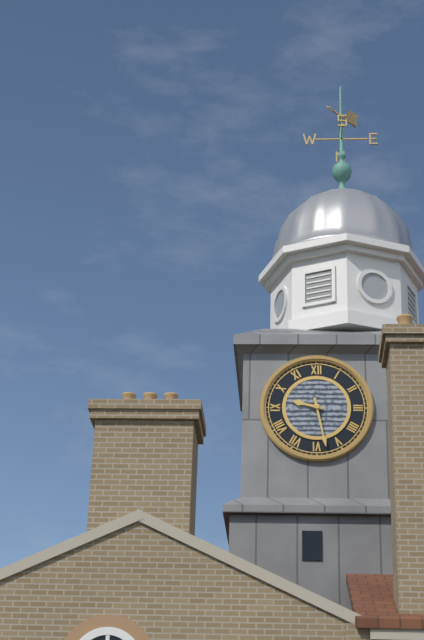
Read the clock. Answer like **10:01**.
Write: **9:28**
